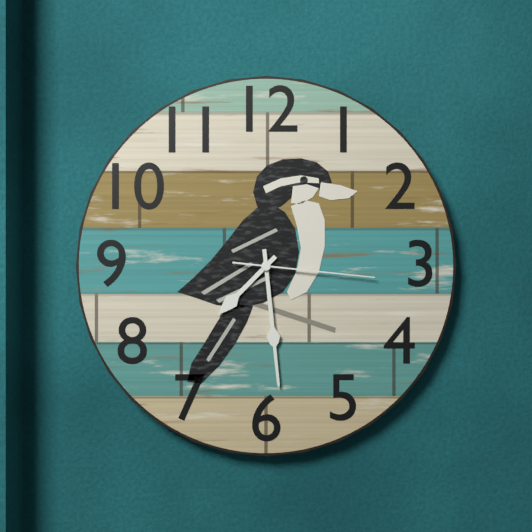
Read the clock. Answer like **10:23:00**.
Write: **7:29:16**
